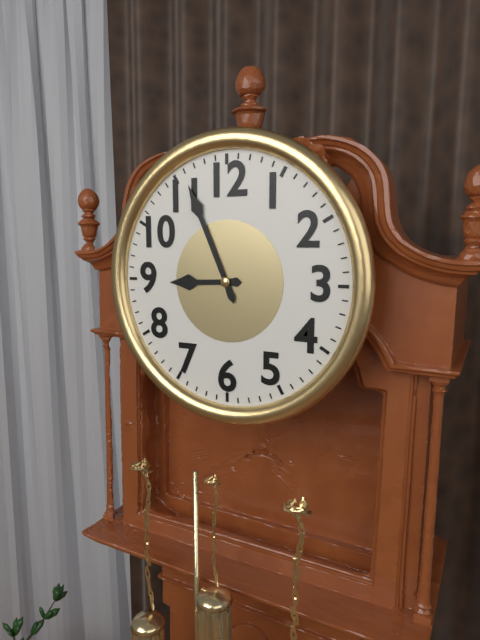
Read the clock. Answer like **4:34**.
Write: **8:56**
